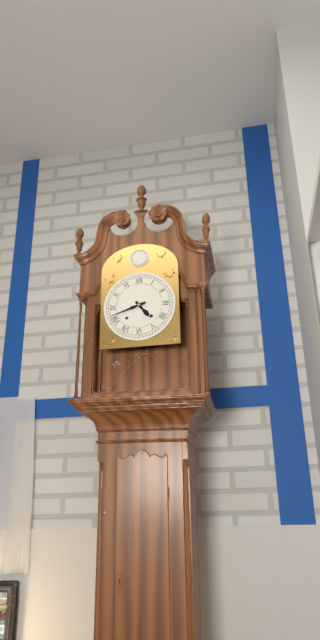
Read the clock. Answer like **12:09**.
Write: **4:42**
